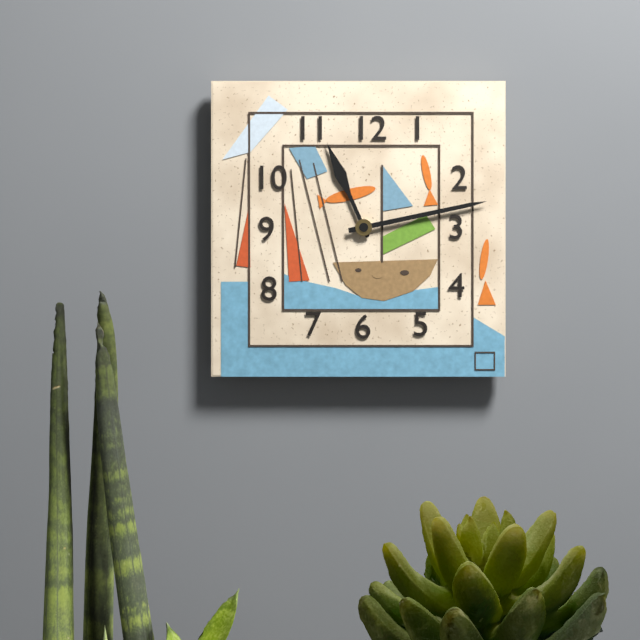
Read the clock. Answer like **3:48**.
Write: **11:13**
